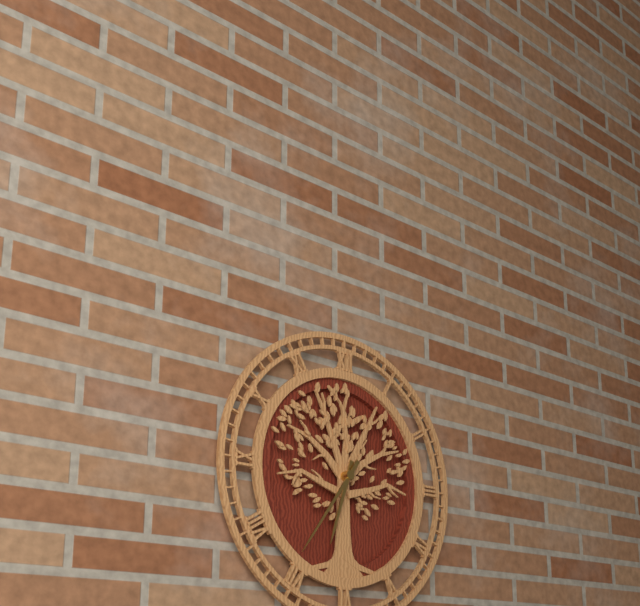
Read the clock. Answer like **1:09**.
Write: **6:36**
